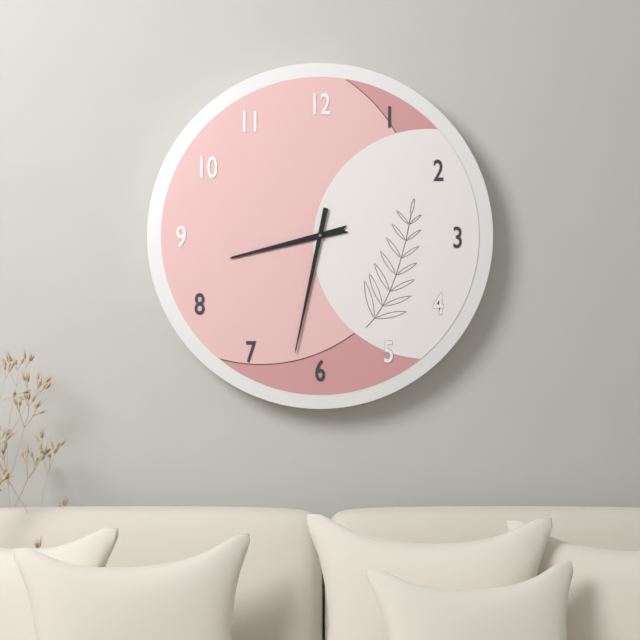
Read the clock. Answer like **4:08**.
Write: **8:32**
